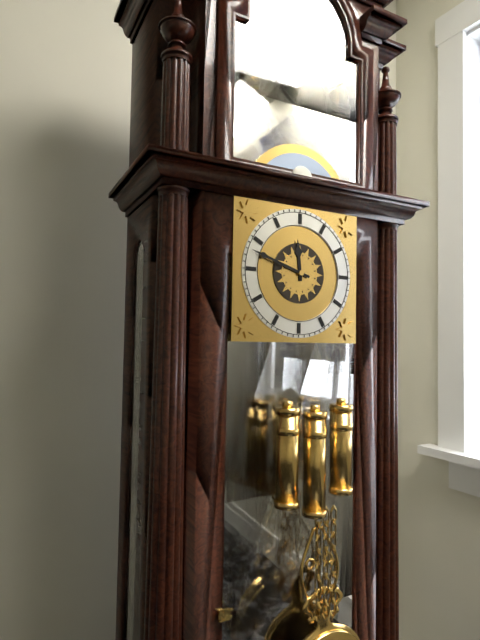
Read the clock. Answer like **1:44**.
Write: **11:48**
